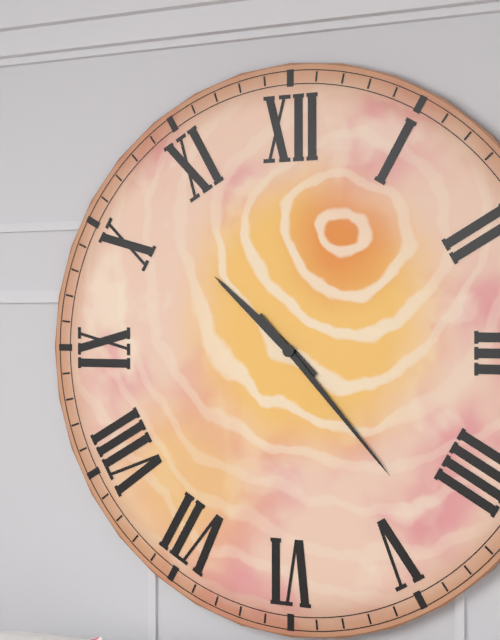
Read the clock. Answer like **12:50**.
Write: **10:23**
